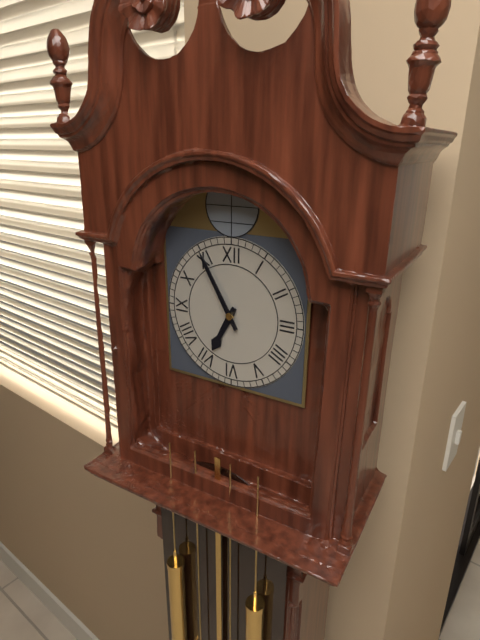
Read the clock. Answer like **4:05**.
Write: **6:55**
